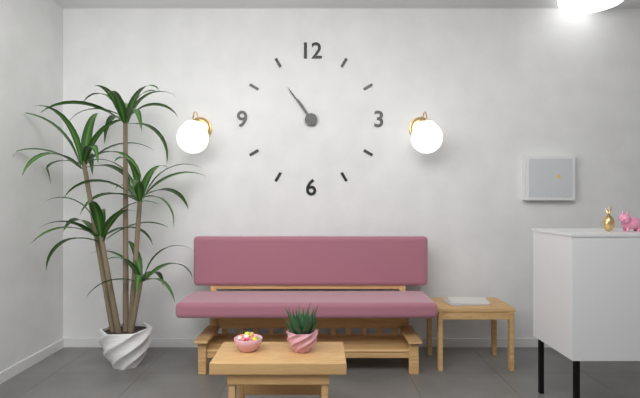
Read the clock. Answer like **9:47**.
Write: **10:54**
